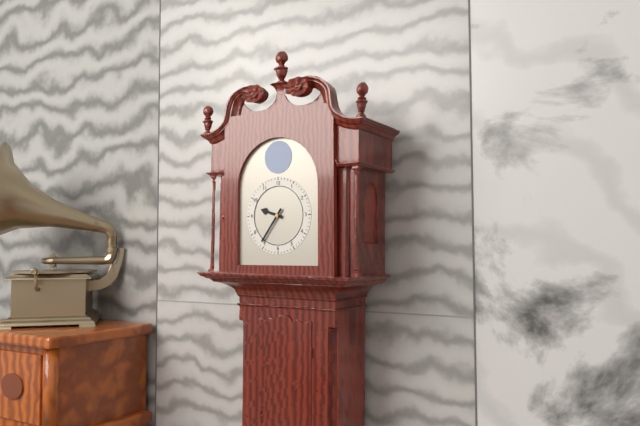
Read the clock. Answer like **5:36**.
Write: **9:36**
